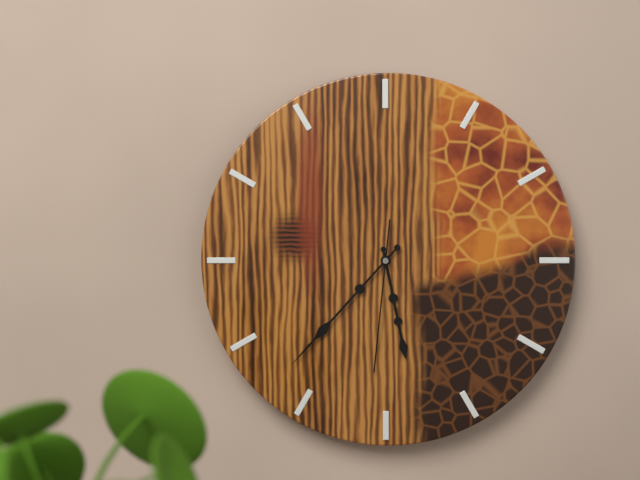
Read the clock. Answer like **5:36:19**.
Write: **5:37:31**
